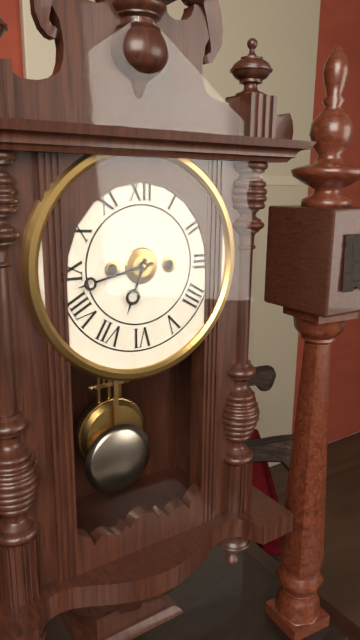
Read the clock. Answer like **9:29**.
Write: **6:43**
